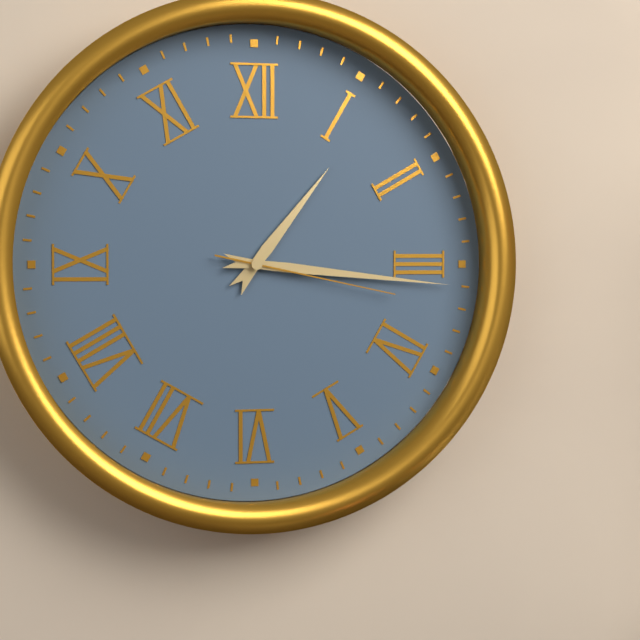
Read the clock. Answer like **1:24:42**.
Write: **1:16:17**
